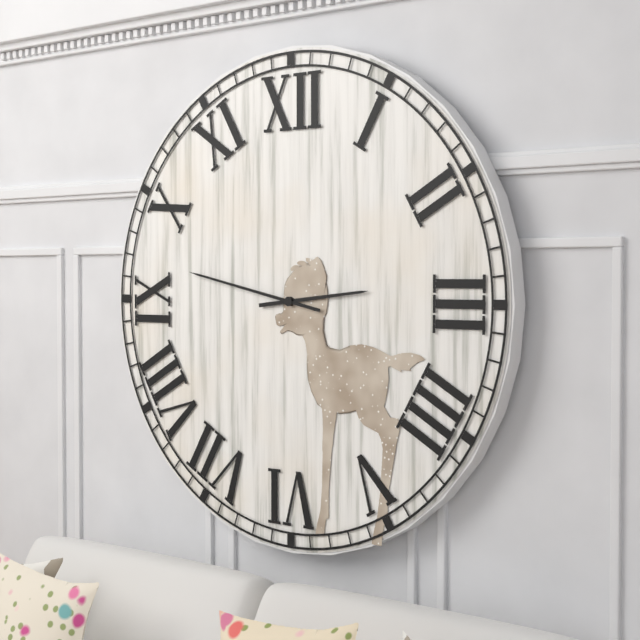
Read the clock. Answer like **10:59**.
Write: **2:47**
